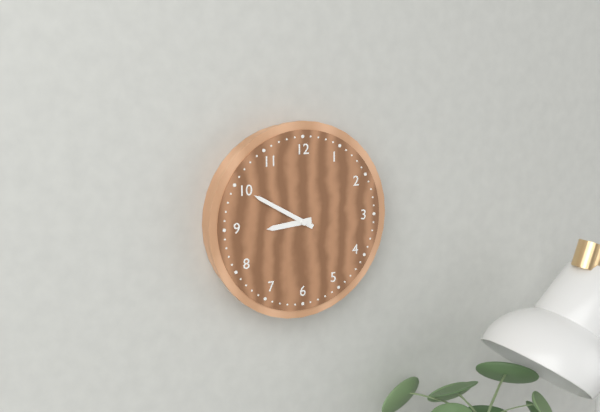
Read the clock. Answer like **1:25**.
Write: **8:50**
